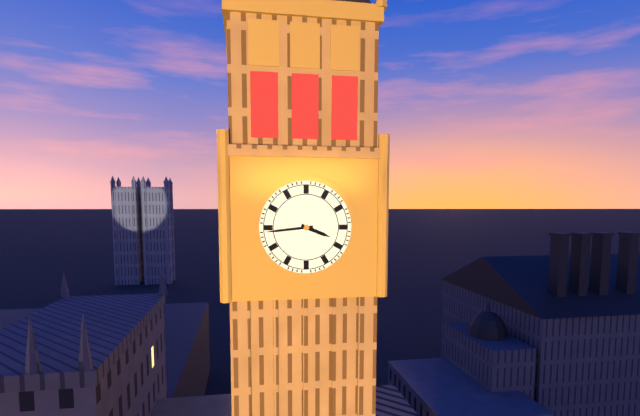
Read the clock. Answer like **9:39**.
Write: **3:44**
